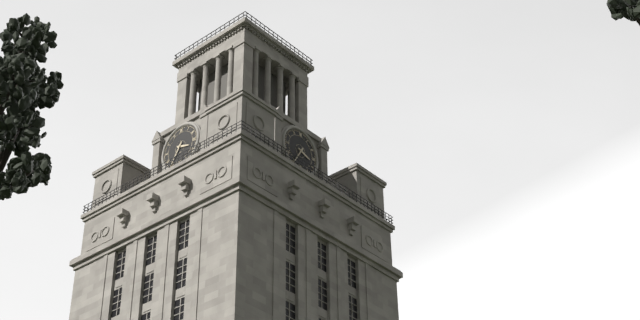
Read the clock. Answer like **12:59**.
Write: **3:35**
